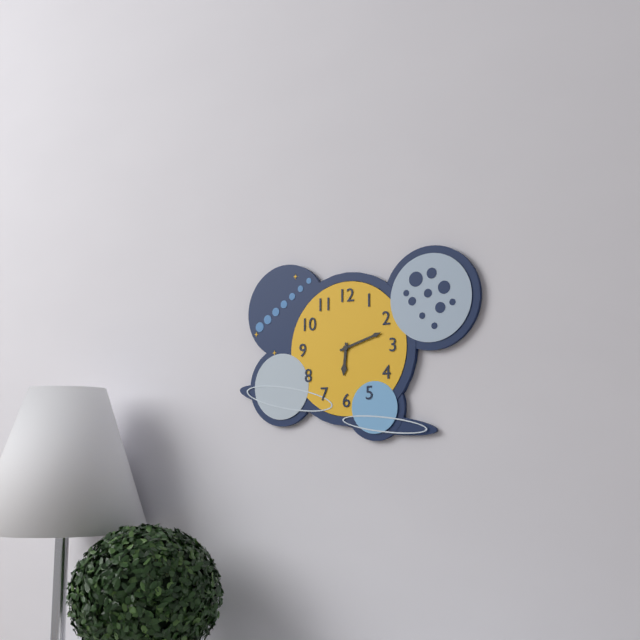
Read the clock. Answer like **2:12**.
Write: **6:12**
